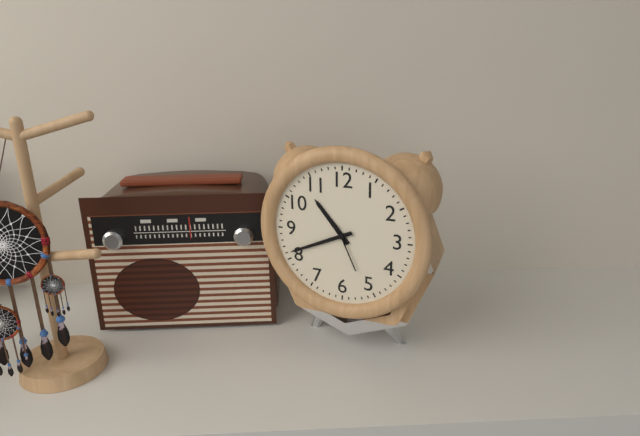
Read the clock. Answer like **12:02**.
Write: **10:41**
